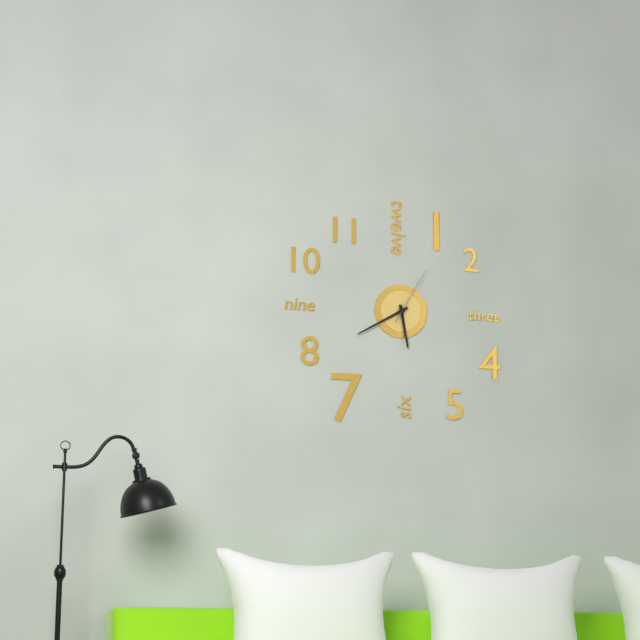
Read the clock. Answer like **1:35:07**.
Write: **5:40:05**
